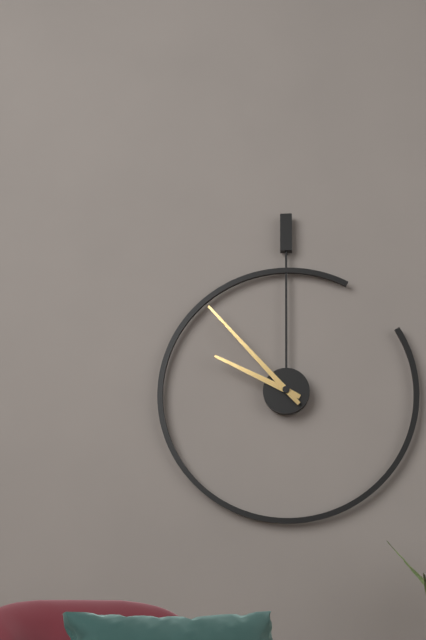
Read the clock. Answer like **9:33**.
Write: **9:53**
